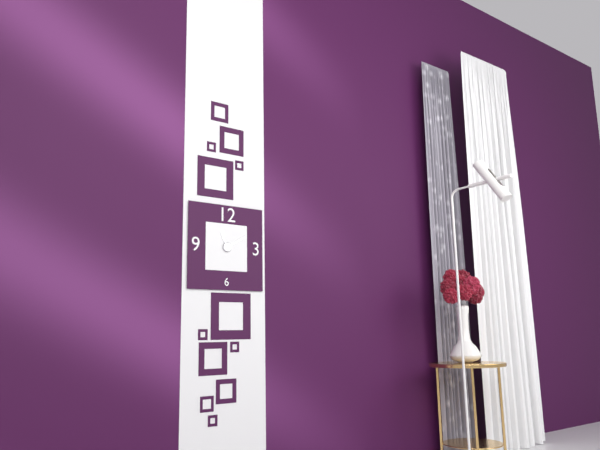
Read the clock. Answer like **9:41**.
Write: **11:10**
